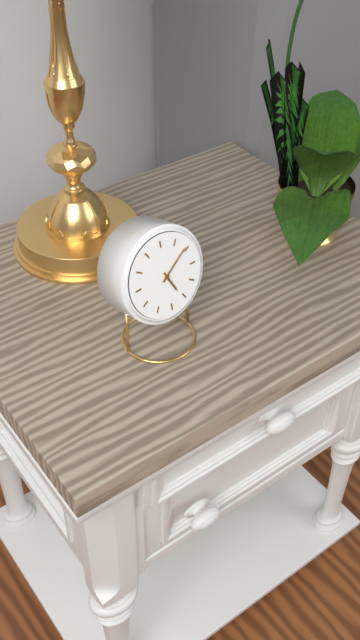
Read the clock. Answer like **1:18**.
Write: **5:09**
